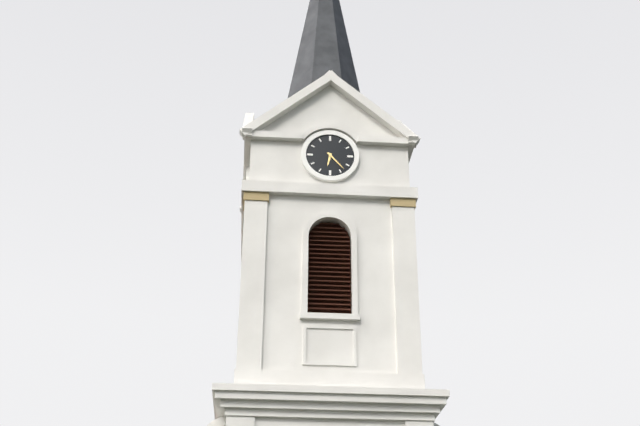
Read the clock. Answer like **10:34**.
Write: **6:23**
